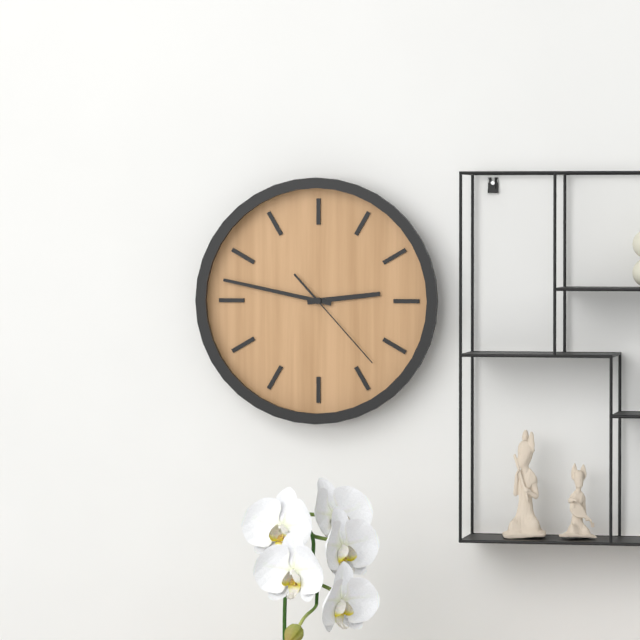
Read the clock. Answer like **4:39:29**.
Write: **2:47:23**
